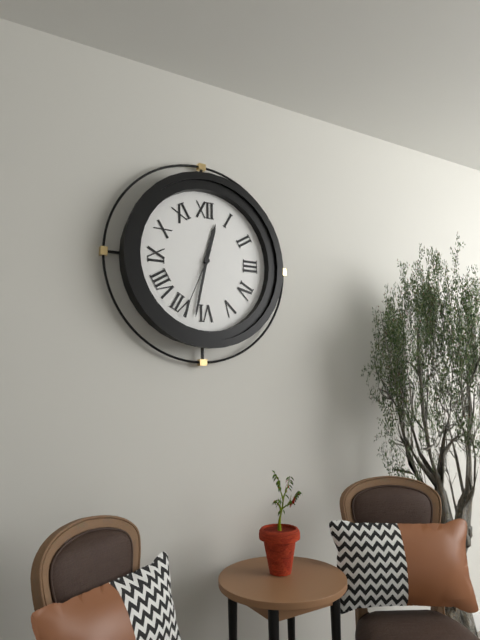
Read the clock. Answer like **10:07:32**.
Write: **12:32:34**
